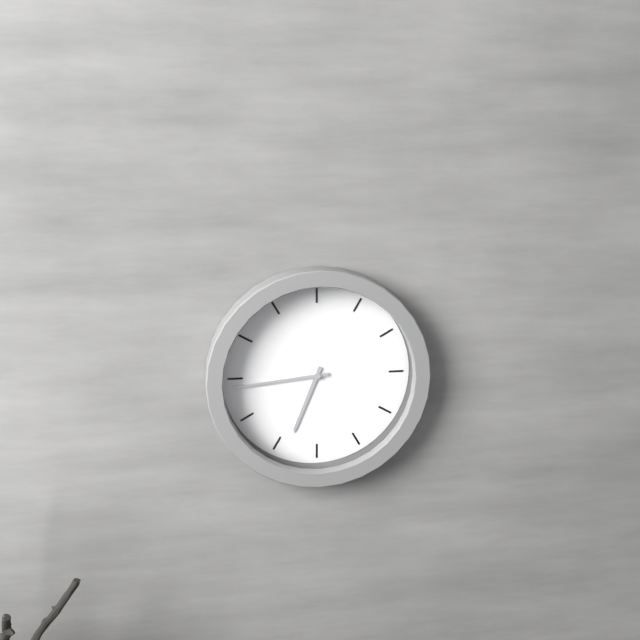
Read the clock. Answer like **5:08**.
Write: **6:44**
